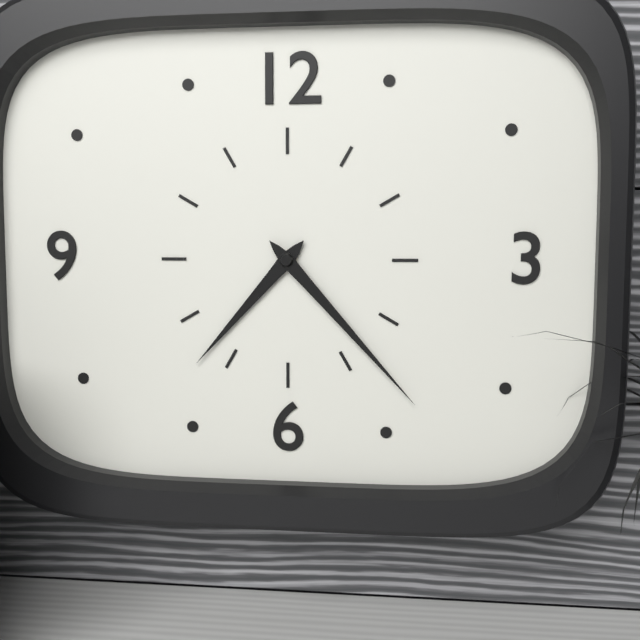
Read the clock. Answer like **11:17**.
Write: **7:23**
